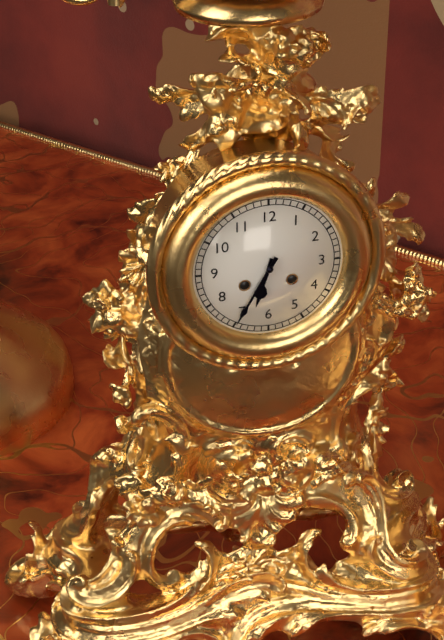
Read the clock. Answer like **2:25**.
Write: **6:35**
